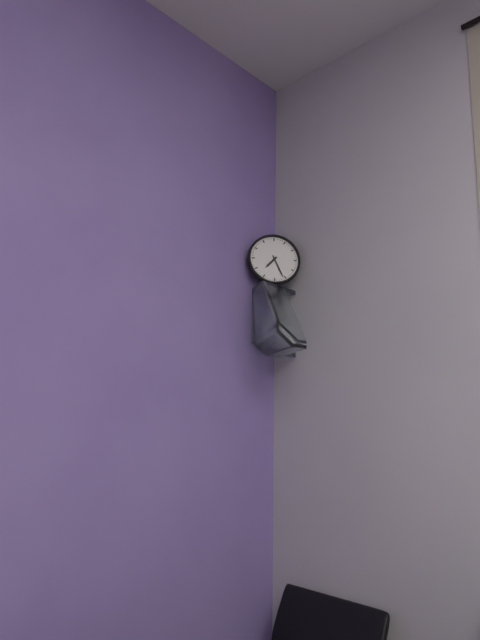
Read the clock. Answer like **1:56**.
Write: **7:26**
